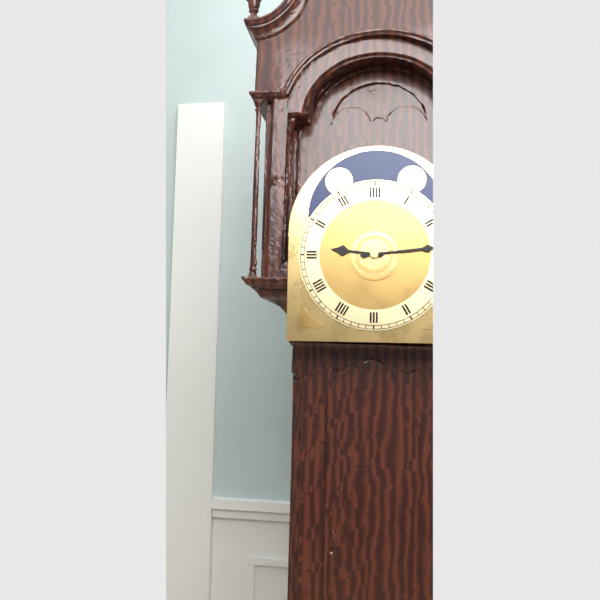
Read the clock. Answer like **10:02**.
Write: **9:14**
